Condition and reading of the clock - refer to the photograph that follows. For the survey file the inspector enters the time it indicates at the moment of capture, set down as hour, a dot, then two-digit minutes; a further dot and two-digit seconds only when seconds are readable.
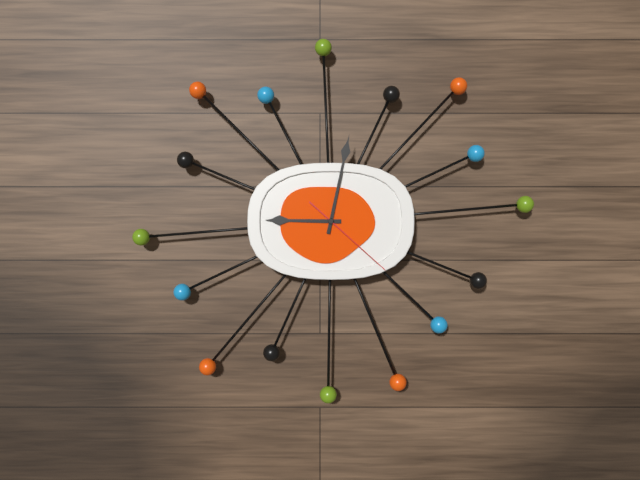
9.02.22
